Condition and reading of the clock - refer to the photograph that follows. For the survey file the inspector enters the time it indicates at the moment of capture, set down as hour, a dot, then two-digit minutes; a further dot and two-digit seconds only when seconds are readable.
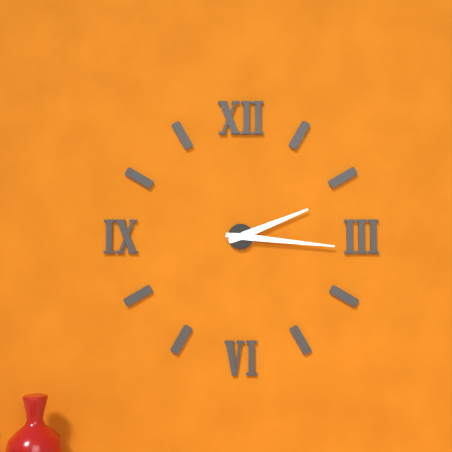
2.16
